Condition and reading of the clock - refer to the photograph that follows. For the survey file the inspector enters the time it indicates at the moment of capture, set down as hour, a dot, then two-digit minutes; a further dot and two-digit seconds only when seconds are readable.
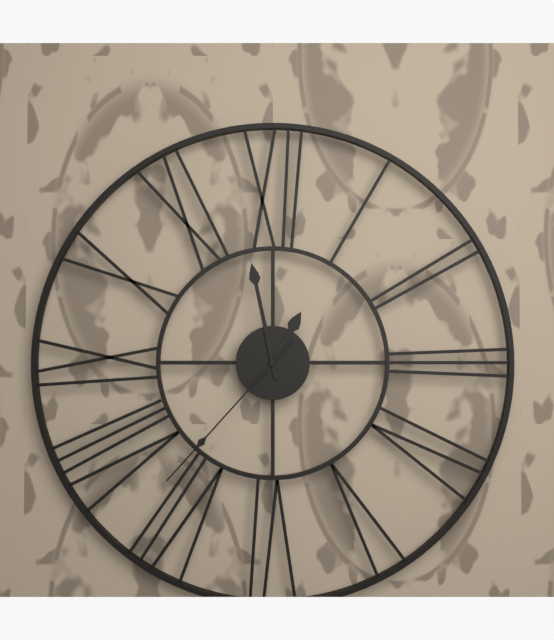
12.58.37
